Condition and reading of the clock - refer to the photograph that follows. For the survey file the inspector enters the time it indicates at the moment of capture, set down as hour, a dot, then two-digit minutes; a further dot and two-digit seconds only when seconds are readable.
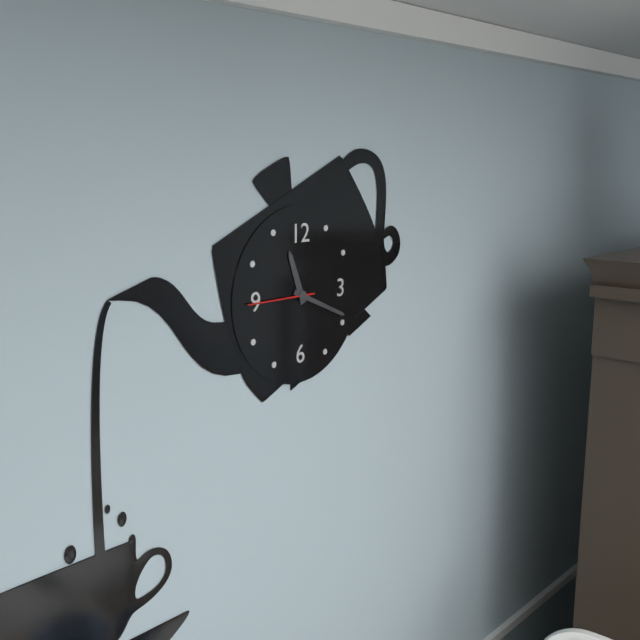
11.19.45
